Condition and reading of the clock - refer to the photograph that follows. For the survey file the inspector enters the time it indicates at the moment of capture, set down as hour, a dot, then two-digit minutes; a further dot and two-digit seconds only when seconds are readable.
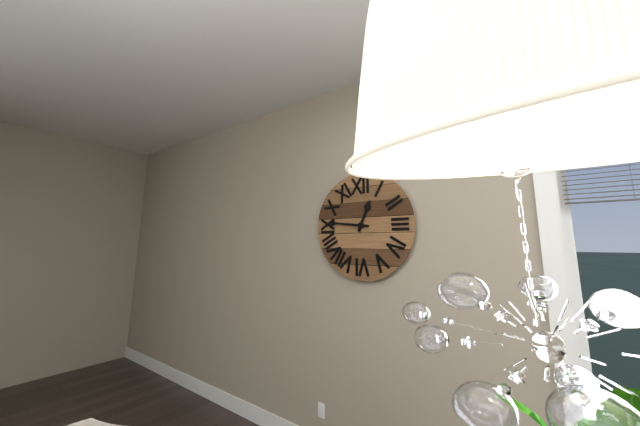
12.46
